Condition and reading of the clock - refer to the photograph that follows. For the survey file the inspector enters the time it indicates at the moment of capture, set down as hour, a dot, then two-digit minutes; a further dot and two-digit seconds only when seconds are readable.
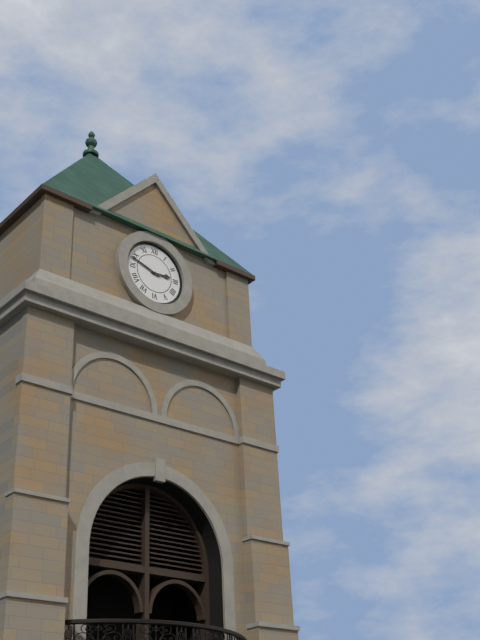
2.48
